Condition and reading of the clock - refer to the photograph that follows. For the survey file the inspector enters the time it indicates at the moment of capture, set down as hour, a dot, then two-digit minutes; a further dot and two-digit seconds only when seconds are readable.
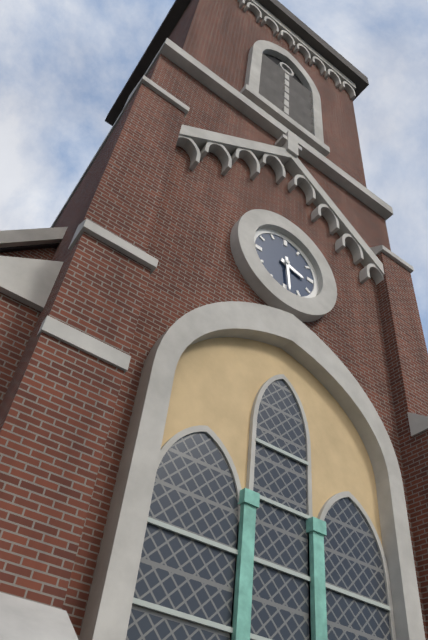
3.29
